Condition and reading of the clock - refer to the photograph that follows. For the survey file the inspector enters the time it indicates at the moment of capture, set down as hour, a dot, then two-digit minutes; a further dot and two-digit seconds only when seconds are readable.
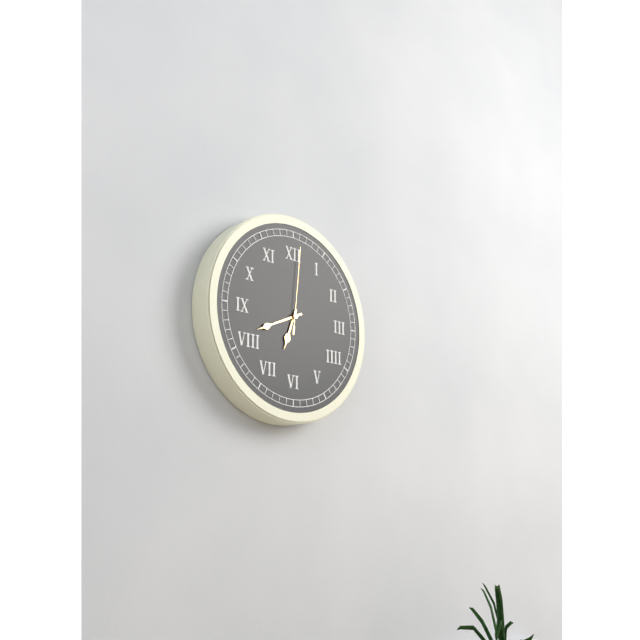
6.41.01
